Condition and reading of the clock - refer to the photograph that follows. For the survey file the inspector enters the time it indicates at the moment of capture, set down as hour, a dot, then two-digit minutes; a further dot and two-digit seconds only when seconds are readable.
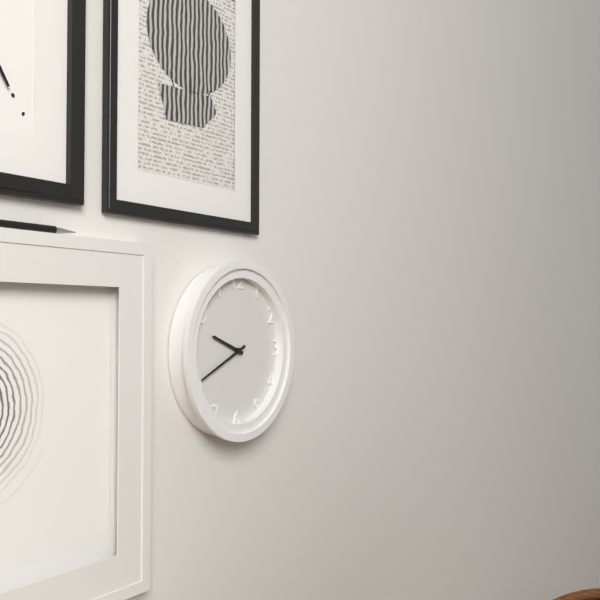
9.41
